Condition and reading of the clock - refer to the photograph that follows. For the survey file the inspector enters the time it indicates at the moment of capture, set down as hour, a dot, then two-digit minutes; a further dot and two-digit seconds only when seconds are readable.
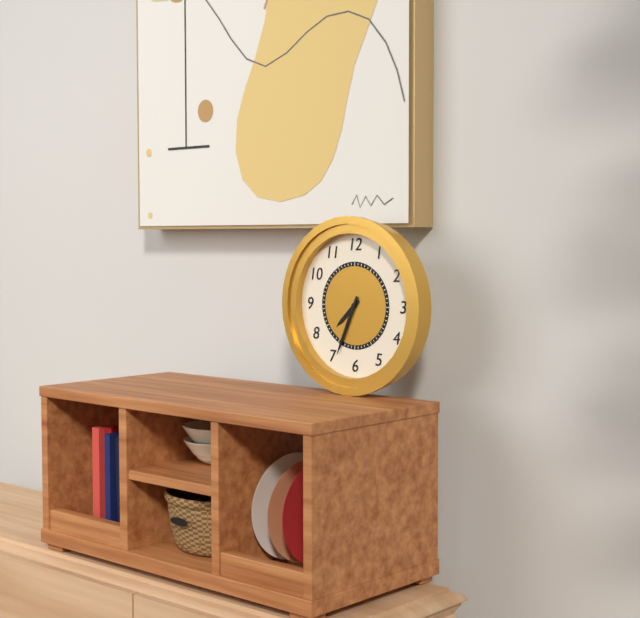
7.34
